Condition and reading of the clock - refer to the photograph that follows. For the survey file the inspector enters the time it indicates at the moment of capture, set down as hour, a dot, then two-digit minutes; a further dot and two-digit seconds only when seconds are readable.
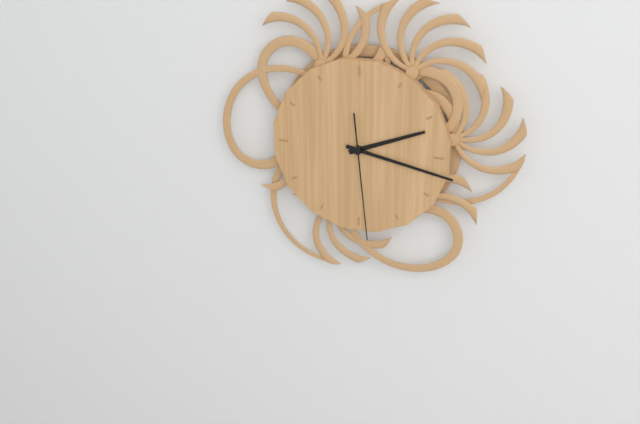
2.17.29
